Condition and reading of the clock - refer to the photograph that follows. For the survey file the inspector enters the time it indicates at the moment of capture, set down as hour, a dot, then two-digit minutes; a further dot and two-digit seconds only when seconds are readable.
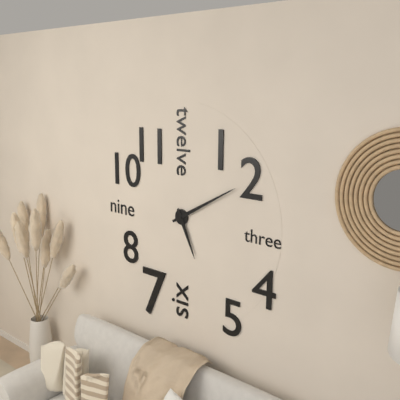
5.10
